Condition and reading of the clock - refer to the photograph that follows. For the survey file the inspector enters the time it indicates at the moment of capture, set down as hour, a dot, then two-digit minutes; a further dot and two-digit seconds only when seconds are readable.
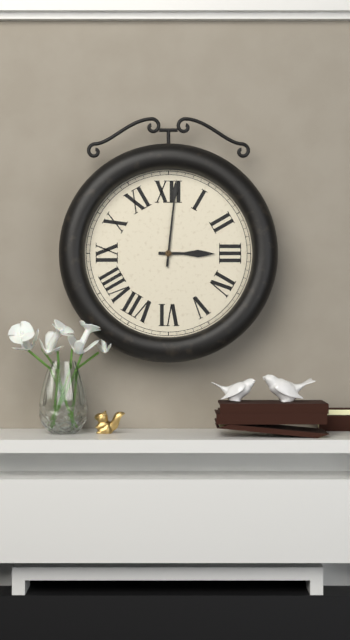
3.01
